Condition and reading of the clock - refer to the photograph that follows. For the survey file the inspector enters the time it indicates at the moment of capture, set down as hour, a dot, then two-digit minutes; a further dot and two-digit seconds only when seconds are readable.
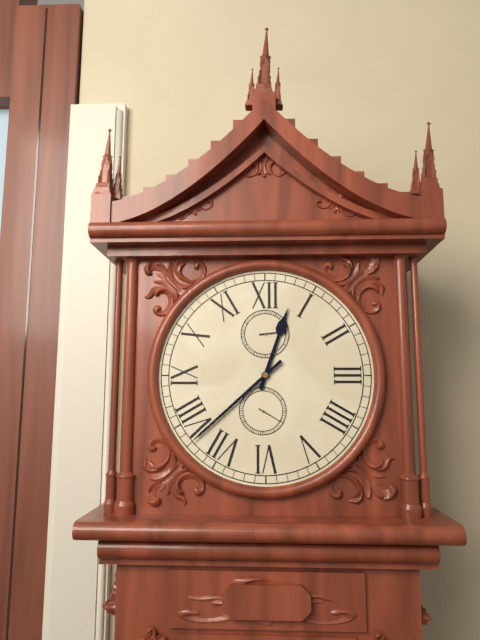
12.38
